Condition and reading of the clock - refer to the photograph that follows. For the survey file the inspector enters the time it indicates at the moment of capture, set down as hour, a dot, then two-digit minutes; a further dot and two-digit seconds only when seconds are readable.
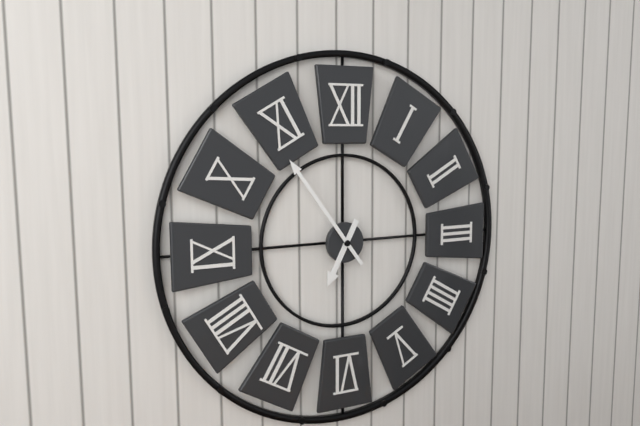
6.54
